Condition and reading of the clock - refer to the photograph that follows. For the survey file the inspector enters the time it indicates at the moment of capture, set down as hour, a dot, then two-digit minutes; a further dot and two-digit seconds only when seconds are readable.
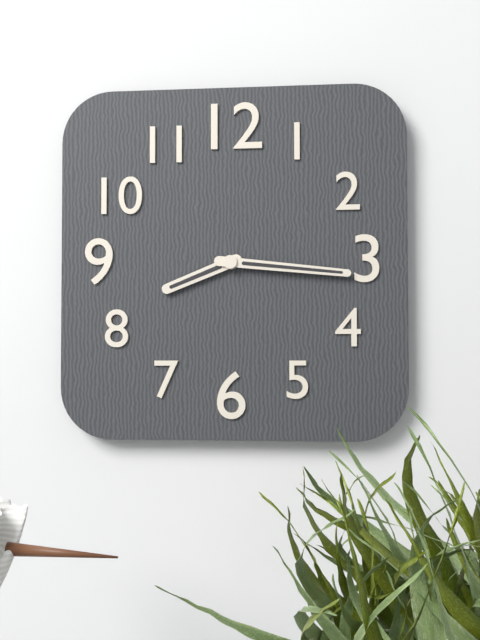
8.16
